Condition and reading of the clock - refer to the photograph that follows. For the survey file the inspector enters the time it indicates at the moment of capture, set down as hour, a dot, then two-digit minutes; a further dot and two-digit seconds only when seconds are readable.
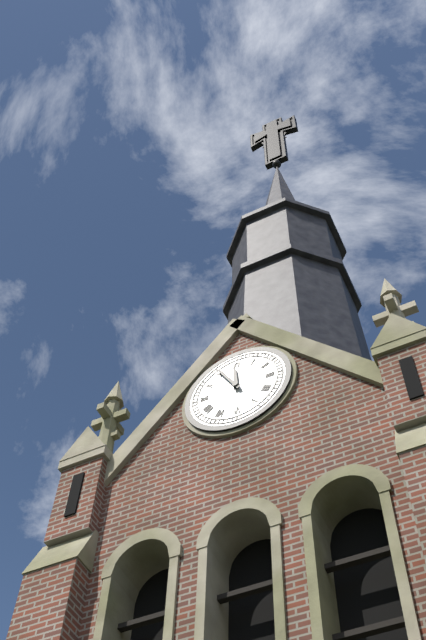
11.55
